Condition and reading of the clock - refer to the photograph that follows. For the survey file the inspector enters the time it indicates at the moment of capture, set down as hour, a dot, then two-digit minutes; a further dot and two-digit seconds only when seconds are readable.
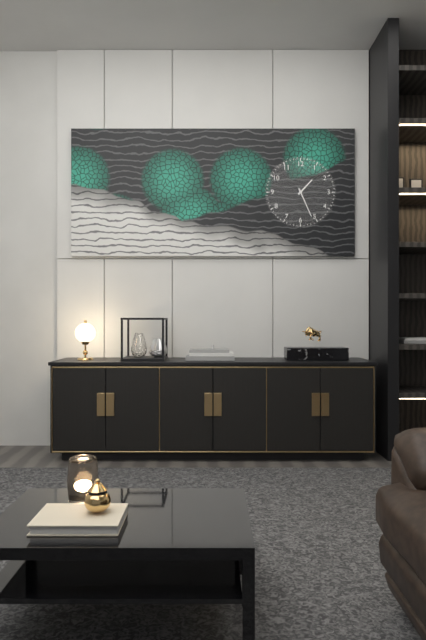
1.26
